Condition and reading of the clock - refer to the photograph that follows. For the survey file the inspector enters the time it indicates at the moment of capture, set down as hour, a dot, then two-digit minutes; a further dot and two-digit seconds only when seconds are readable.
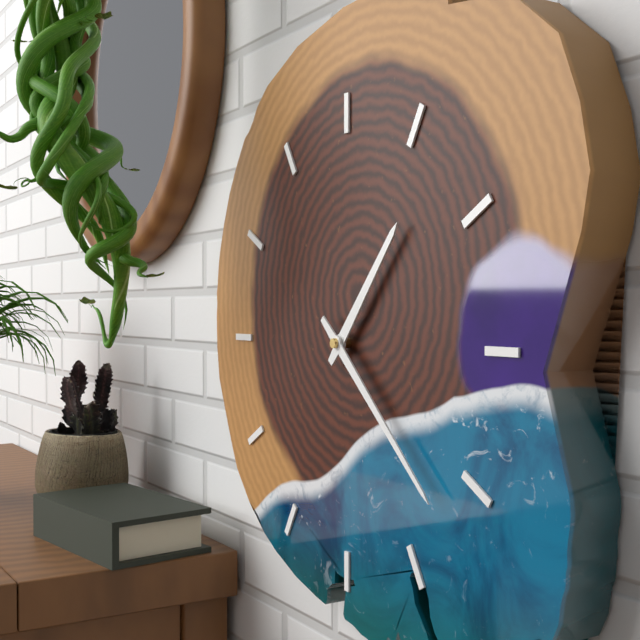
1.22
